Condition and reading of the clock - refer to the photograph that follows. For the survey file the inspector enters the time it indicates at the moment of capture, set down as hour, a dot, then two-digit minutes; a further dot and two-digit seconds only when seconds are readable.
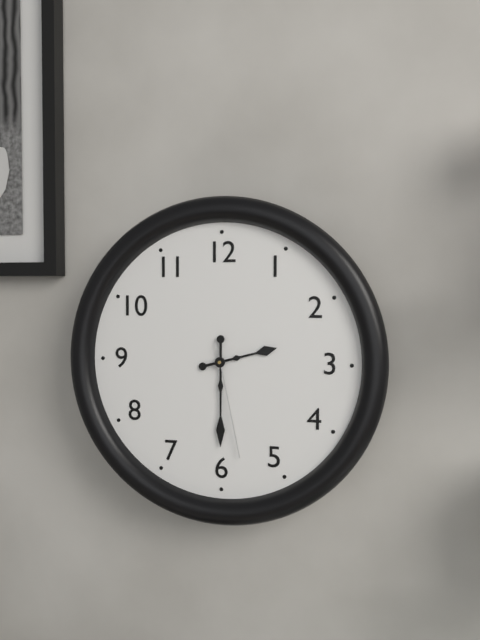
2.30.28
